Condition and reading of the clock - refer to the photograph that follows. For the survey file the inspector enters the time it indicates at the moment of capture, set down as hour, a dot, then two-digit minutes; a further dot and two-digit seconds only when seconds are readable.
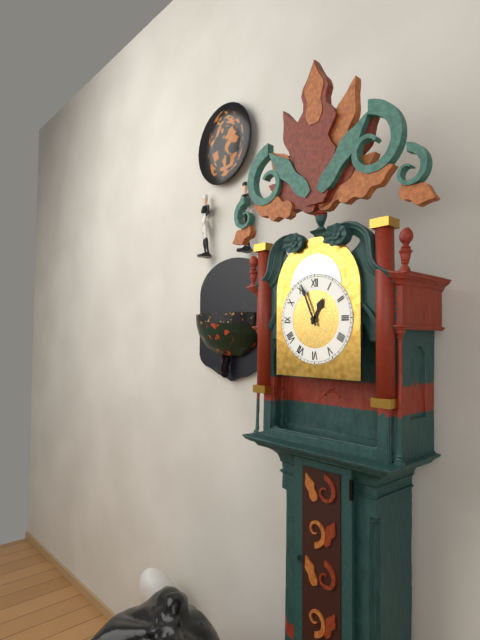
12.56
